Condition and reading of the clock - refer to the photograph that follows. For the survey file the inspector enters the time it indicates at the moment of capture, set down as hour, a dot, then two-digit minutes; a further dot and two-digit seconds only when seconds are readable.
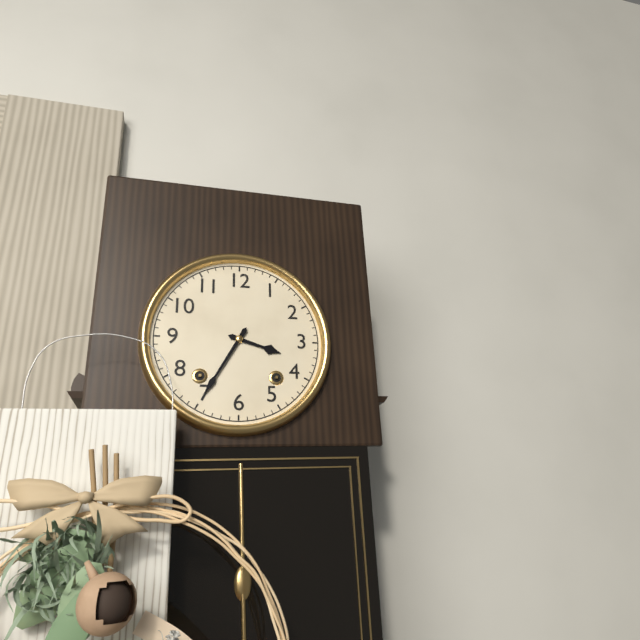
3.35
